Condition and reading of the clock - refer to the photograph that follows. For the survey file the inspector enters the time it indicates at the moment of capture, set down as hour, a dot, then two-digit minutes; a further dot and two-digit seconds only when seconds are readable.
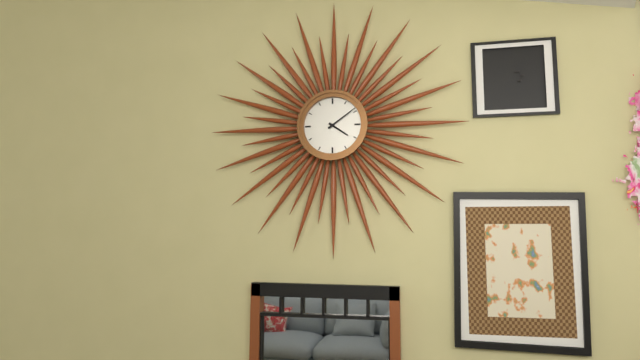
4.09
